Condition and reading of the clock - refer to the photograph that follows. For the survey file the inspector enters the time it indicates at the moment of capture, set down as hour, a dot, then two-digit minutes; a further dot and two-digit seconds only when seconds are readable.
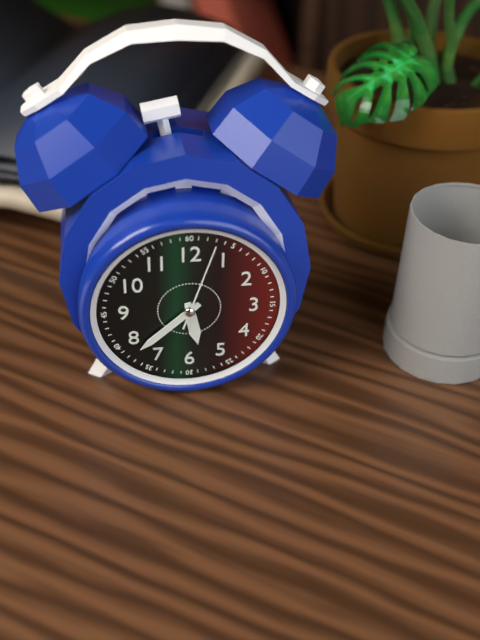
5.38.03
